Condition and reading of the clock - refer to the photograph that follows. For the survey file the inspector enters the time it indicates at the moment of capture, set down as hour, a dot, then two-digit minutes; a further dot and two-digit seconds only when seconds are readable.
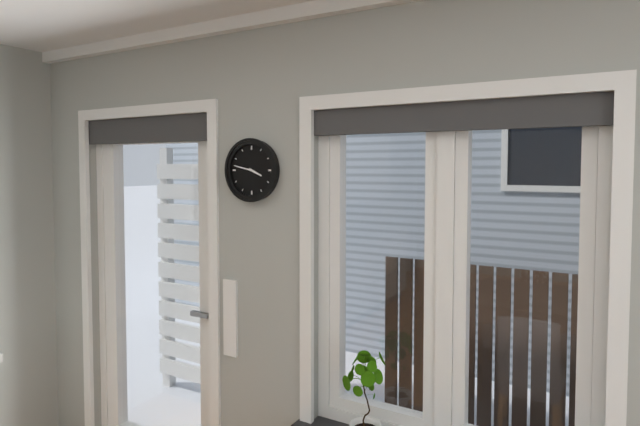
3.47
